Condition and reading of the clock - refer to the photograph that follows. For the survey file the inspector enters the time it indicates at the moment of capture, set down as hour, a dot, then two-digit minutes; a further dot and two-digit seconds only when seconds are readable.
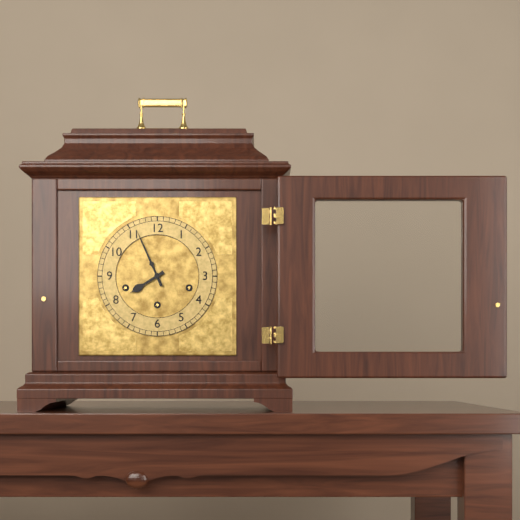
7.56
